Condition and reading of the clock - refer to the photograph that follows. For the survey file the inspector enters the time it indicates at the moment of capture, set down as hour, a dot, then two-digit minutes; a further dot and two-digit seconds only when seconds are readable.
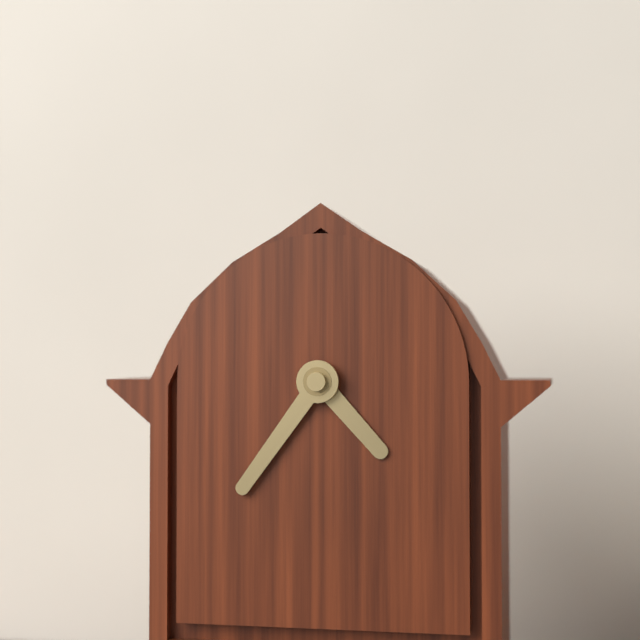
4.36
